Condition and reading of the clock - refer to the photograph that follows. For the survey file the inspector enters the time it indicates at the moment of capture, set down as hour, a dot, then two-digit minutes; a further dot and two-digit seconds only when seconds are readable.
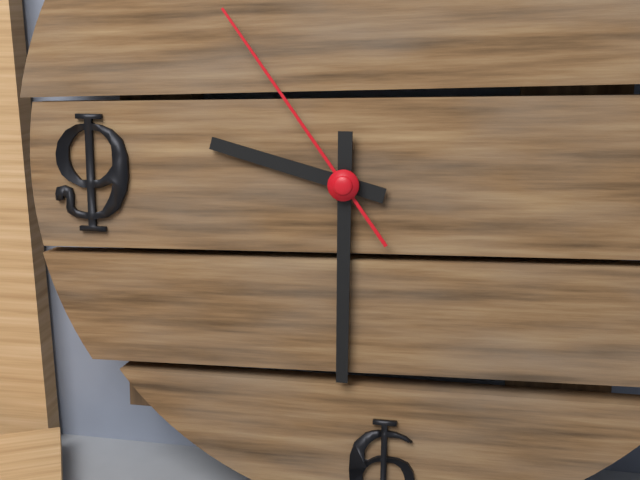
9.30.54
